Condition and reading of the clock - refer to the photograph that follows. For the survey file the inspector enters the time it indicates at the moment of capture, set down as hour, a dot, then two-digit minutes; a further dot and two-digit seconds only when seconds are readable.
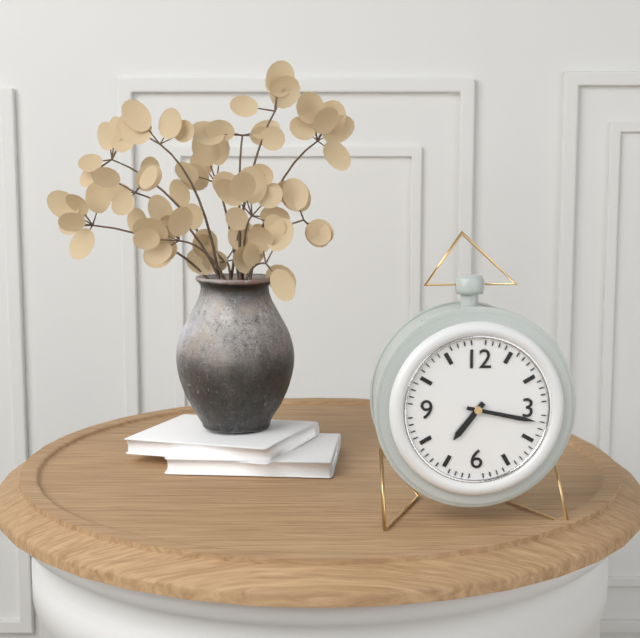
7.17
